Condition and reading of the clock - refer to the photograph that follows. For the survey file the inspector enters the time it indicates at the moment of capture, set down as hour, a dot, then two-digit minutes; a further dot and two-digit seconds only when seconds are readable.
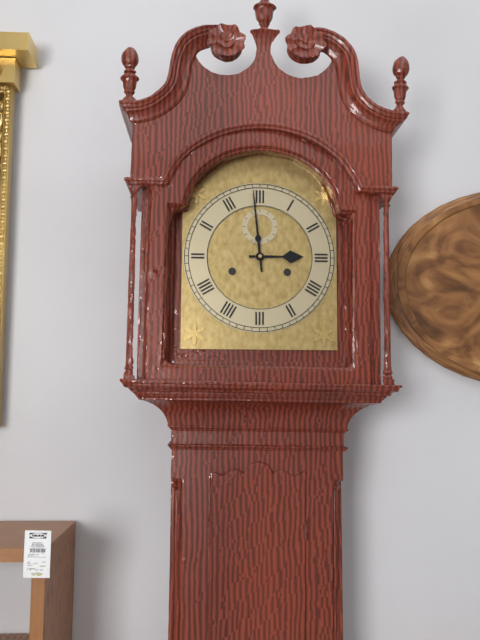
2.59
